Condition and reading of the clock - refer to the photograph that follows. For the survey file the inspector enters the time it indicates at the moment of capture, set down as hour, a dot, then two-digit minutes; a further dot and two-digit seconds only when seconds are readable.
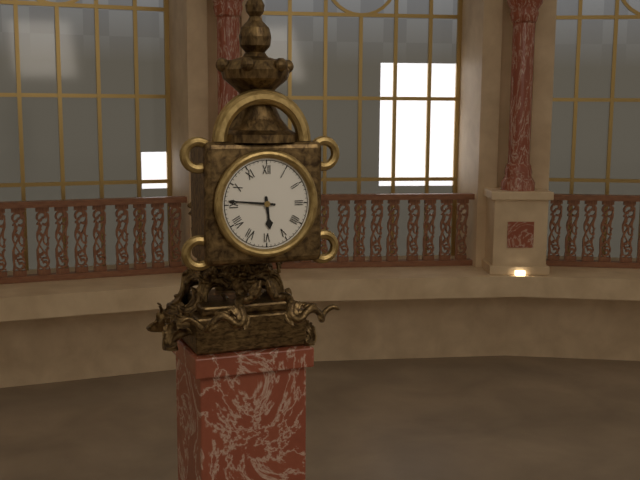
5.46
